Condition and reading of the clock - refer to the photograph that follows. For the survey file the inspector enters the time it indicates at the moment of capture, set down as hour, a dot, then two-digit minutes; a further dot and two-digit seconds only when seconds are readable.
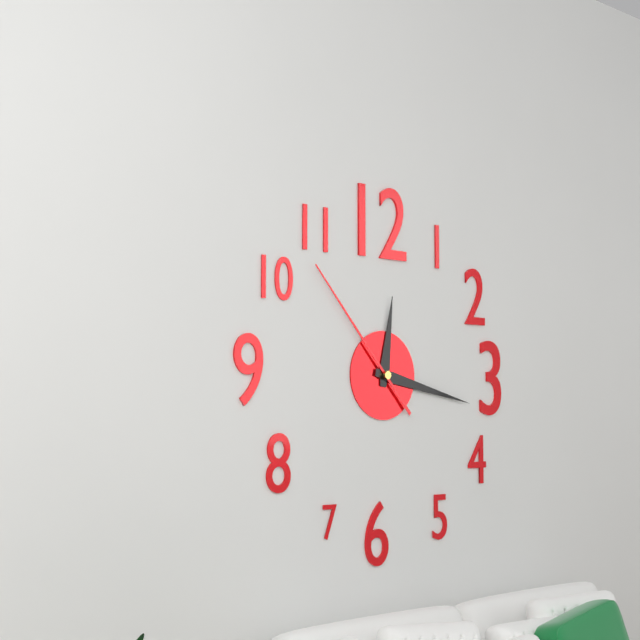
12.17.53
